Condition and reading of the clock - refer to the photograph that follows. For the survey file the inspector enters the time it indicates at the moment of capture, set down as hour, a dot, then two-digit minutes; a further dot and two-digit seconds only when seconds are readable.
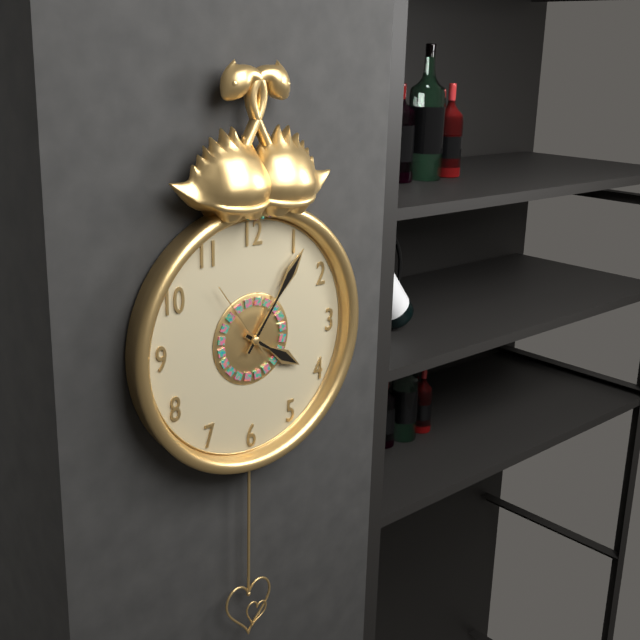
4.06.54
